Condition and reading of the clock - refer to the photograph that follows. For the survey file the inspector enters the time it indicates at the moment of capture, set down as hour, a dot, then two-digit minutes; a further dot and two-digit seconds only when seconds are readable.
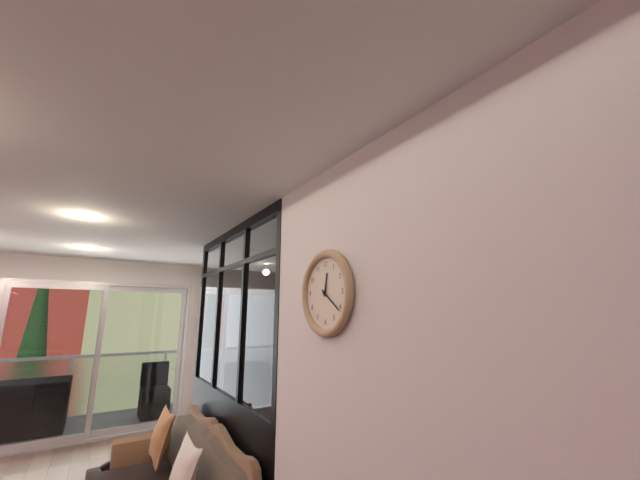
12.21
